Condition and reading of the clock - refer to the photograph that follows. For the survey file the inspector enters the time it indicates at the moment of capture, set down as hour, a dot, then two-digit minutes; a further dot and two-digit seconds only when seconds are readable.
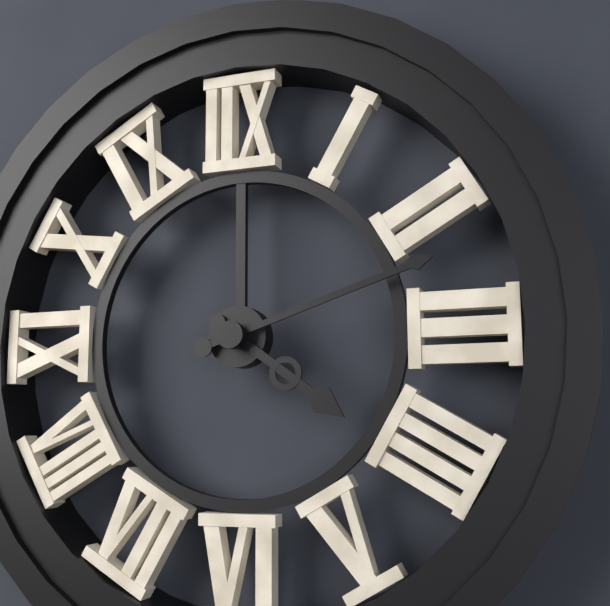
4.12
